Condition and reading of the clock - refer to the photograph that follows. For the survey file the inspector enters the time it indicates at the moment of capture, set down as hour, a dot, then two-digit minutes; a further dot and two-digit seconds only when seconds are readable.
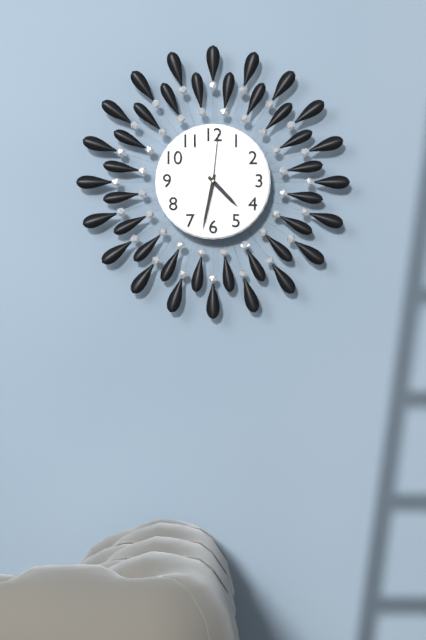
4.32.01
